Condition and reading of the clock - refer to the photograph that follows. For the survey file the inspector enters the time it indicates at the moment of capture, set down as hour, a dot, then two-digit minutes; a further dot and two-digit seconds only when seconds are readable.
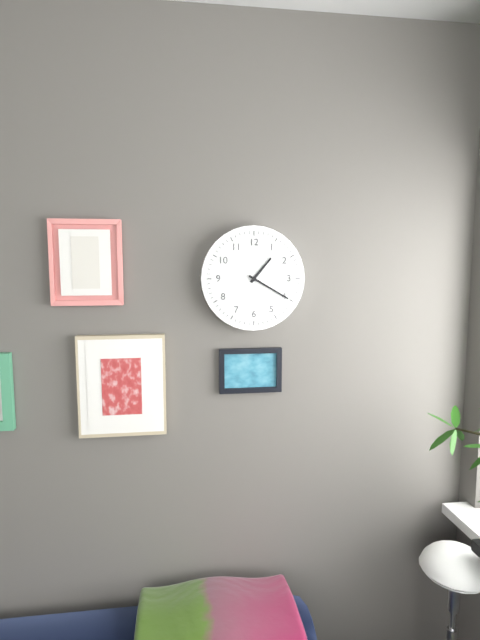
1.20
